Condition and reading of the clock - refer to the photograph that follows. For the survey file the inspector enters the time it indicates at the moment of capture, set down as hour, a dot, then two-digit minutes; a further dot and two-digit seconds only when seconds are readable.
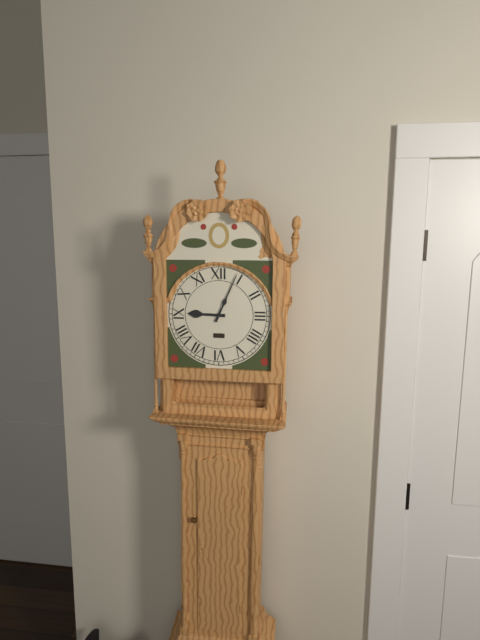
9.04
